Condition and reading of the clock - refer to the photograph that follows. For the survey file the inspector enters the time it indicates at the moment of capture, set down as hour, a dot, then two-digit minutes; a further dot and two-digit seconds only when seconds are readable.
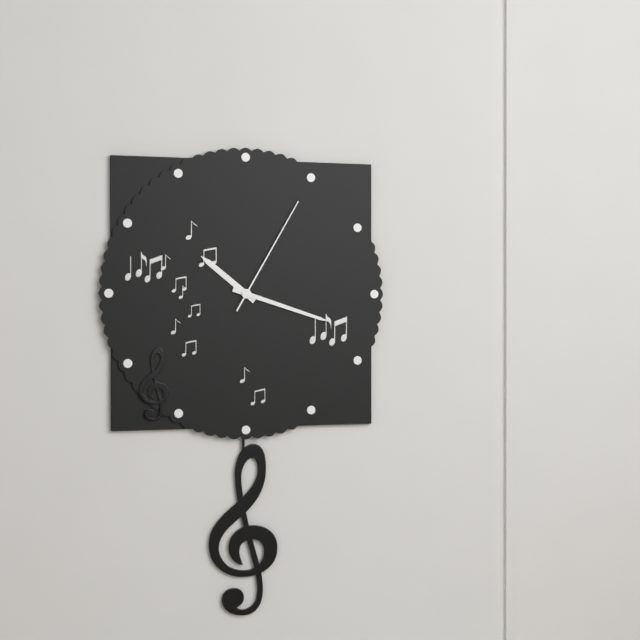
10.18.05
